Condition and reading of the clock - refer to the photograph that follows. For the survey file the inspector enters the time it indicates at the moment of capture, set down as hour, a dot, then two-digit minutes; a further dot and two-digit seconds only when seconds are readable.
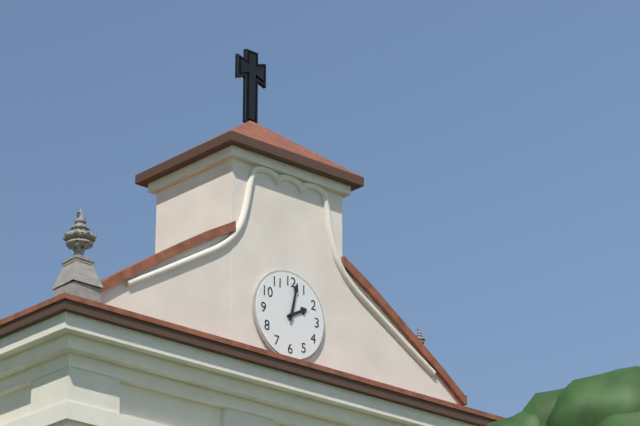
2.02
